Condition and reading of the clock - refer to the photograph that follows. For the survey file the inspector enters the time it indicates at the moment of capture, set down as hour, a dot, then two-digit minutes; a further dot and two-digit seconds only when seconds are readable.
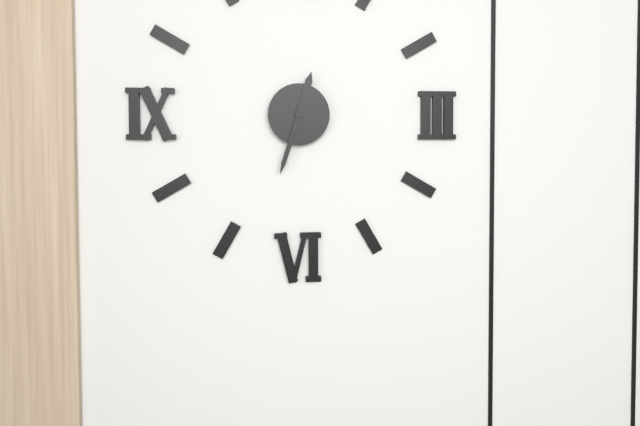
12.33
